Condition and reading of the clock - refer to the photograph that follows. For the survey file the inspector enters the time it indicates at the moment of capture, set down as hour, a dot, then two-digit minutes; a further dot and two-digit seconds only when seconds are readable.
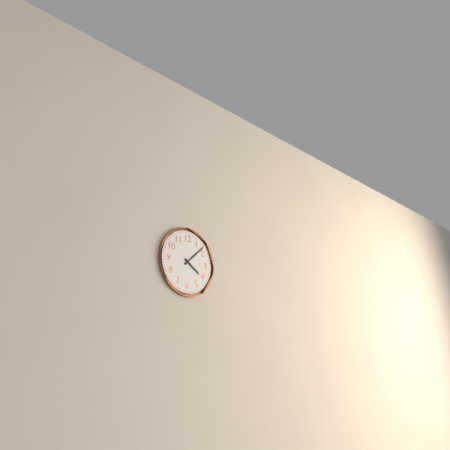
4.08
